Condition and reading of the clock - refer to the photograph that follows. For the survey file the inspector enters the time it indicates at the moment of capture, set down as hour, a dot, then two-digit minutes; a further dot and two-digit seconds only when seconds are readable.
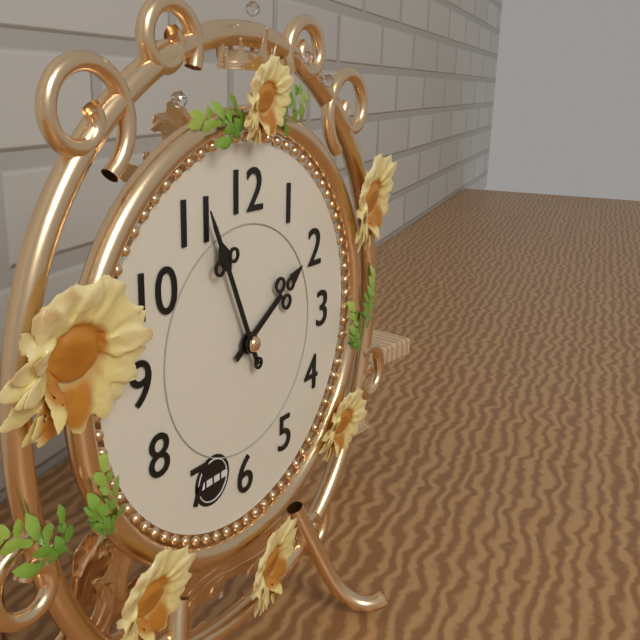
1.56
